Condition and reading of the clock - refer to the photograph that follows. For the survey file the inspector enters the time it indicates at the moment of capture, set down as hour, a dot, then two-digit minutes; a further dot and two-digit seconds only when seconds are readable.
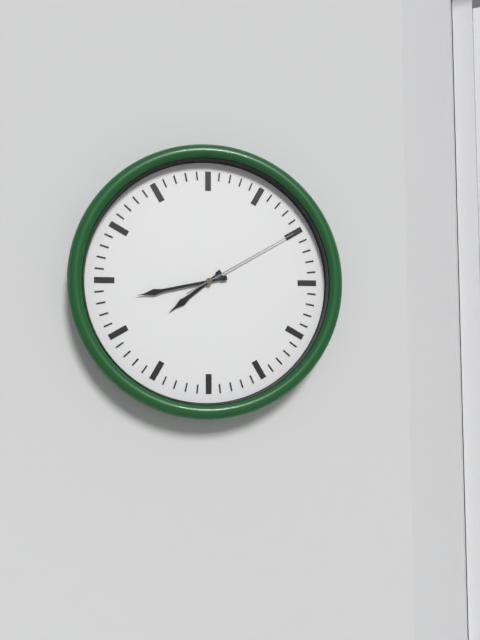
7.43.10
